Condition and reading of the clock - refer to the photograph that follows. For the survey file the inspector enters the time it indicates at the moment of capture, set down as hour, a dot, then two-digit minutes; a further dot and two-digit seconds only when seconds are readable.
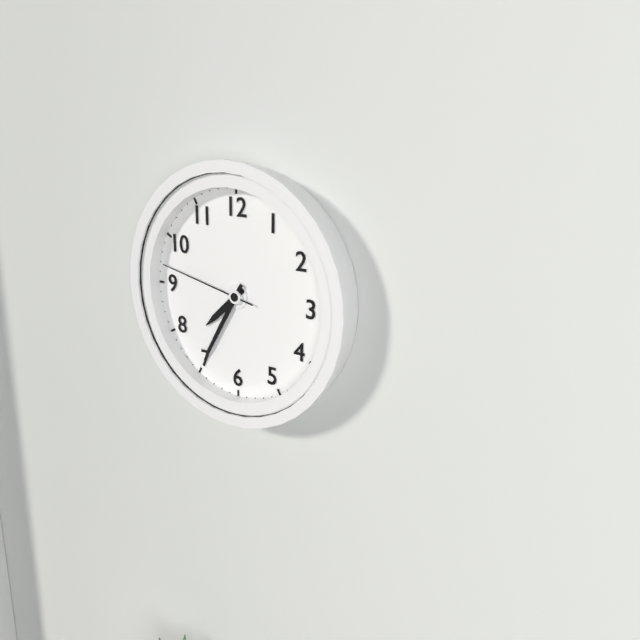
7.35.47
